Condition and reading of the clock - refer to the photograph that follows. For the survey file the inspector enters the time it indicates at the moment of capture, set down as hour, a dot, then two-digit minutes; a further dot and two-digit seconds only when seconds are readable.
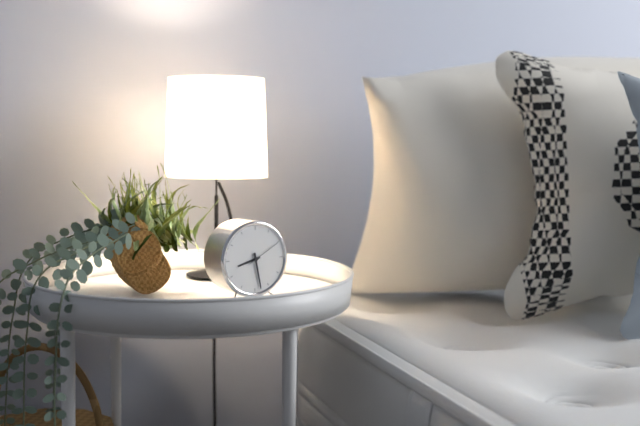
8.28
